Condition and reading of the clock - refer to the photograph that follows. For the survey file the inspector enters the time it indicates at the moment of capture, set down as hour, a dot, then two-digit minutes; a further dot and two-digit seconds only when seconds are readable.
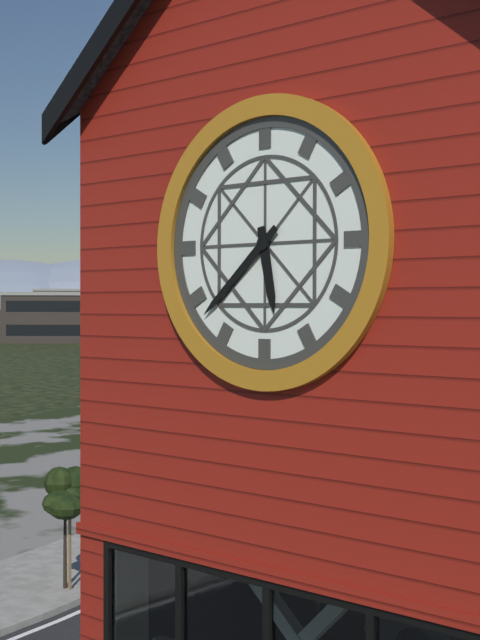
5.38
